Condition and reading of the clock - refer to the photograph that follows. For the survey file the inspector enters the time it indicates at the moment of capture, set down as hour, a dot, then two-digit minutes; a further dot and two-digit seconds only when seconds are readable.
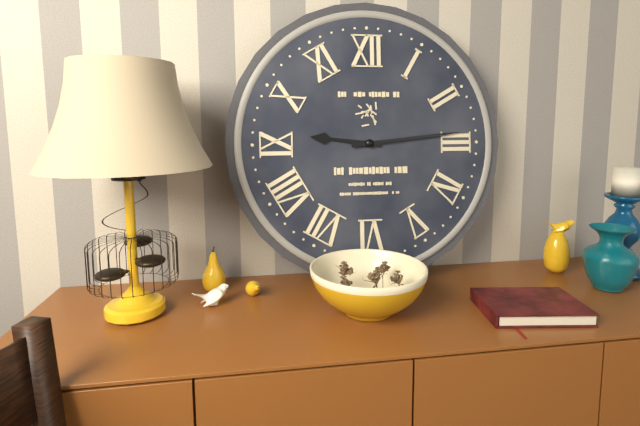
9.14
